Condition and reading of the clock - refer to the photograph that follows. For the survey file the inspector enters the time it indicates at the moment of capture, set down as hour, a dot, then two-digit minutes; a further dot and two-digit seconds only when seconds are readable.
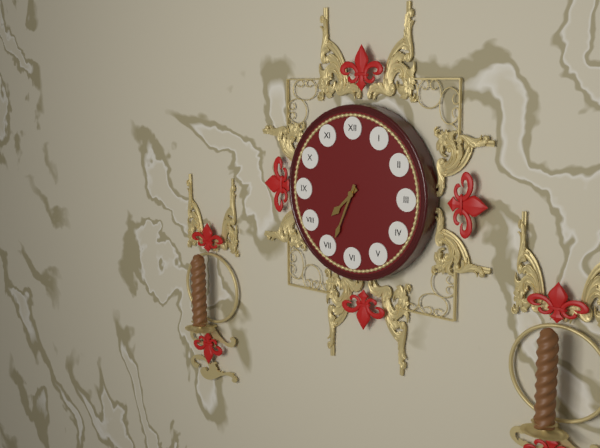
7.34
